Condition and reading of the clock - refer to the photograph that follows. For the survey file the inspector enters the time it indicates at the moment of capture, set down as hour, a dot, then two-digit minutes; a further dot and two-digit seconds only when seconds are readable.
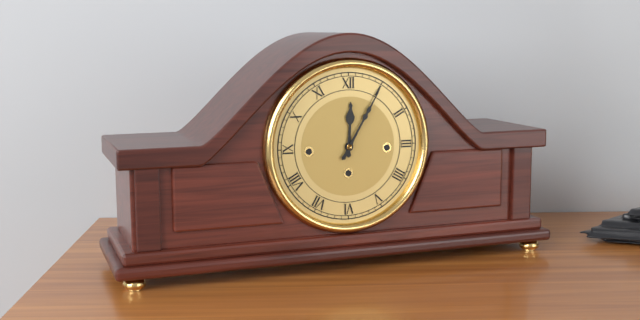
12.05
